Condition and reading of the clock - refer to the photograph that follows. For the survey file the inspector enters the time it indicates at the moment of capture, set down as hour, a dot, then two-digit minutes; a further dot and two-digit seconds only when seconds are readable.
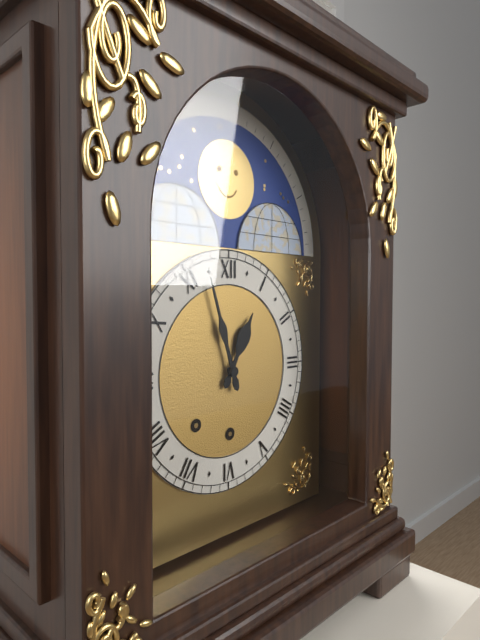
12.57
